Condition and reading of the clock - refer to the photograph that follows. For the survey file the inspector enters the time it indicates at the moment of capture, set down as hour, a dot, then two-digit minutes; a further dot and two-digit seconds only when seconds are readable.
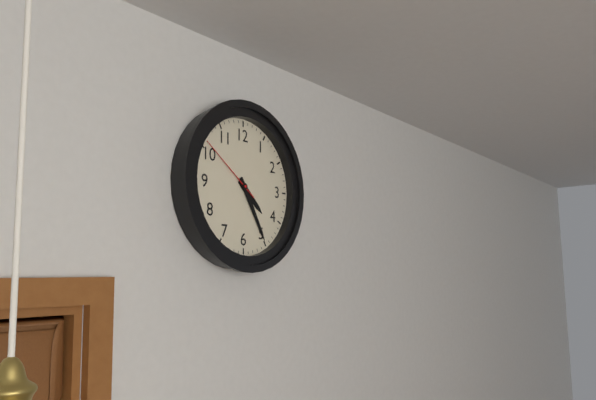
4.25.51
